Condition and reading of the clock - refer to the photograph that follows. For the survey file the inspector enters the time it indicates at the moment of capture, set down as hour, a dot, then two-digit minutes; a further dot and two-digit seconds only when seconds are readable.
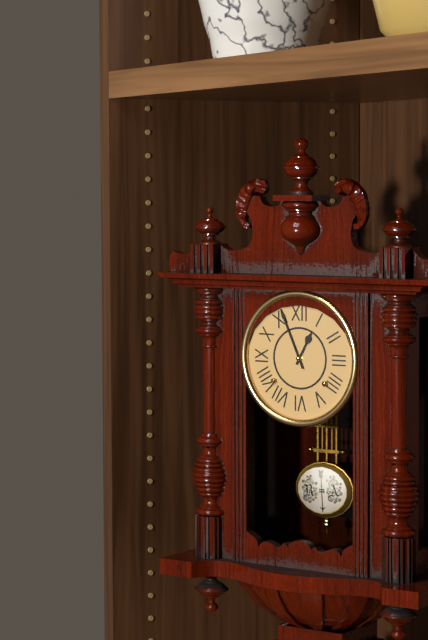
12.56
